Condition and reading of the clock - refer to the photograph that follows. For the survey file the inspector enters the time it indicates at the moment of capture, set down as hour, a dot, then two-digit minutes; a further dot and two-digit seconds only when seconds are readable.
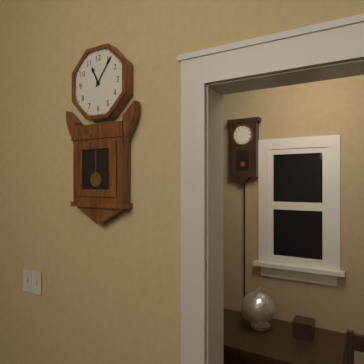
11.06
